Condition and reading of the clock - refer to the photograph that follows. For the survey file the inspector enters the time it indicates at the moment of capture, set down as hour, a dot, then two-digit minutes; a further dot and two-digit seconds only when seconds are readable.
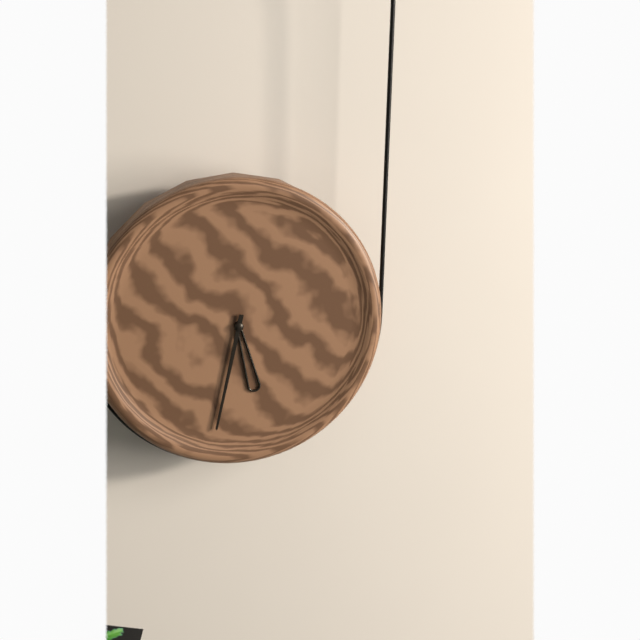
5.32
